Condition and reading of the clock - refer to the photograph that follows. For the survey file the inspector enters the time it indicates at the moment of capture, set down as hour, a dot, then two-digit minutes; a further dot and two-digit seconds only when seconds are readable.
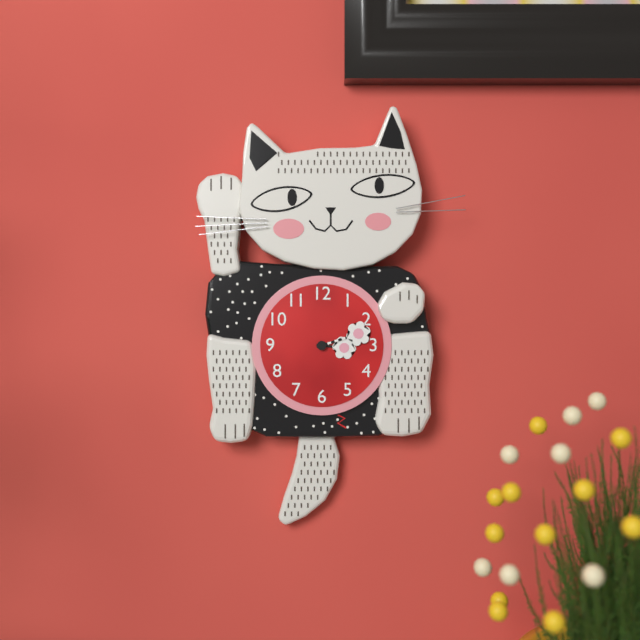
3.12
